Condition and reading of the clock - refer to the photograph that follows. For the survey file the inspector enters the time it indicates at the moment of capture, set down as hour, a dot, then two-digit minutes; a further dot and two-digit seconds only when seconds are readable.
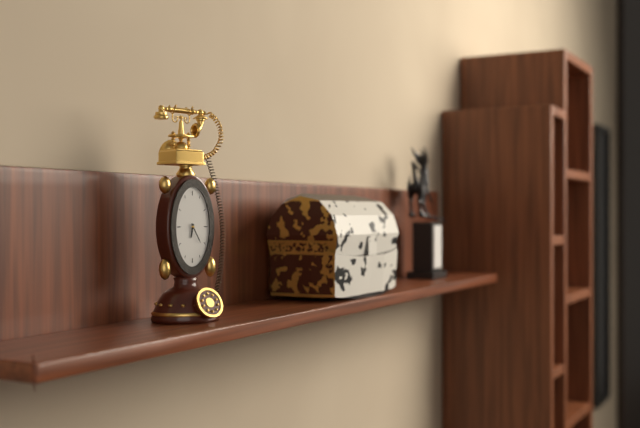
6.25
